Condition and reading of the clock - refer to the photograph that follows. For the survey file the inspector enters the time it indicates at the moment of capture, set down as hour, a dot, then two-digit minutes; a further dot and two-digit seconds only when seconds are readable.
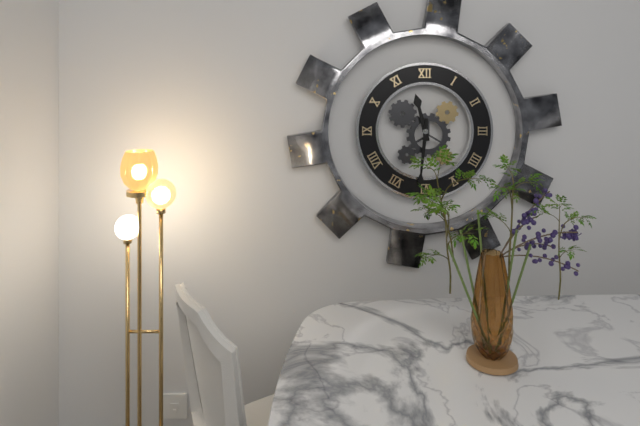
11.31
